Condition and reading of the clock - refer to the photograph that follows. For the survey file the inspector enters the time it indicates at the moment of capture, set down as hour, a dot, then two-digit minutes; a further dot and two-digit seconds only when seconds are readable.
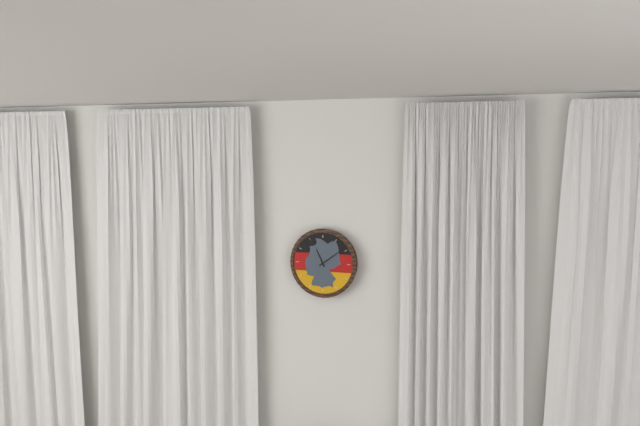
11.09
